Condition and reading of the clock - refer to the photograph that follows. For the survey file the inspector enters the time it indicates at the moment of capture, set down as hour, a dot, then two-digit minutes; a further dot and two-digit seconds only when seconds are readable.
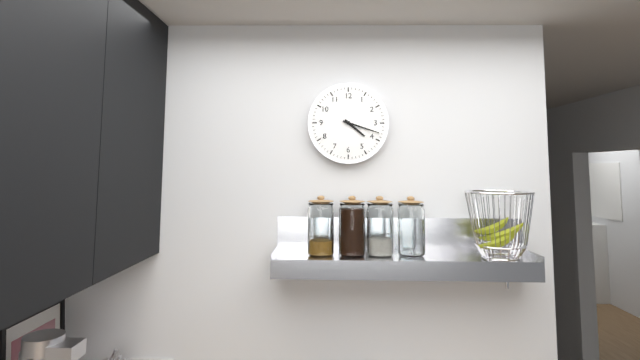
4.18
